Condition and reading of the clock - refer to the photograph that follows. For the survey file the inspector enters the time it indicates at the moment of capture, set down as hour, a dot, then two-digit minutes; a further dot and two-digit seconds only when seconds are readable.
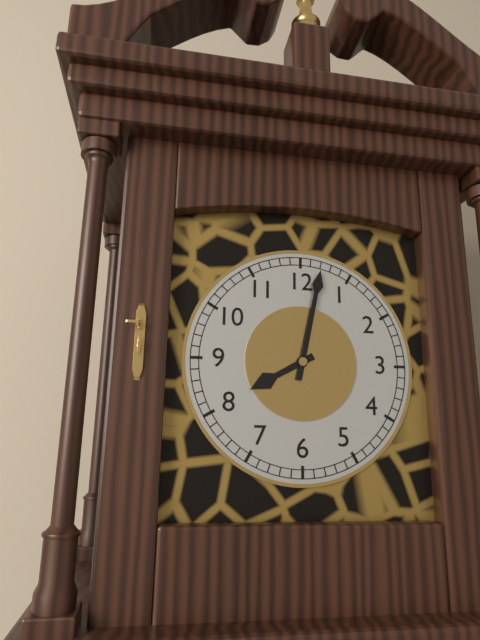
8.02
